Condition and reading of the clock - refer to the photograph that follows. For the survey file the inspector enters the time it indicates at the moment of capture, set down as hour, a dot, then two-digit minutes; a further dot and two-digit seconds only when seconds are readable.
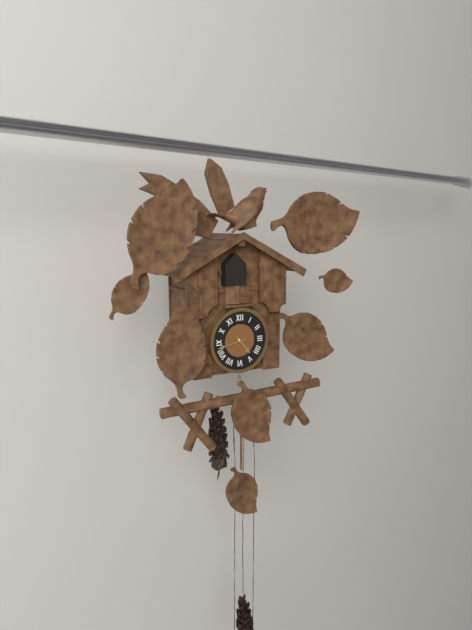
4.43
